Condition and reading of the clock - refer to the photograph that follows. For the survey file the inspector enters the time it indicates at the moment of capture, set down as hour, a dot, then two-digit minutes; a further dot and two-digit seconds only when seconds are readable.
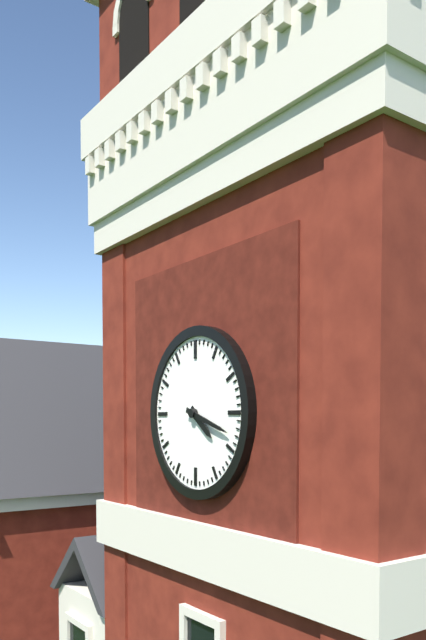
4.18
